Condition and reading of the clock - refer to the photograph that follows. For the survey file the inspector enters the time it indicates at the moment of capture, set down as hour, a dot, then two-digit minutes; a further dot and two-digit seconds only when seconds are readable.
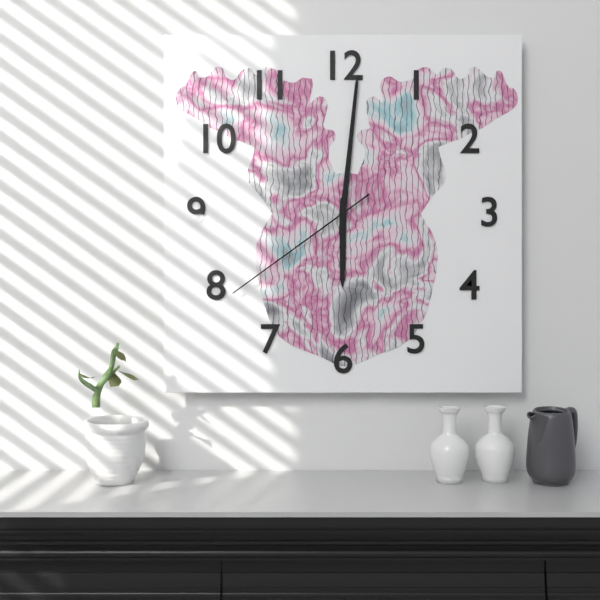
6.01.39
